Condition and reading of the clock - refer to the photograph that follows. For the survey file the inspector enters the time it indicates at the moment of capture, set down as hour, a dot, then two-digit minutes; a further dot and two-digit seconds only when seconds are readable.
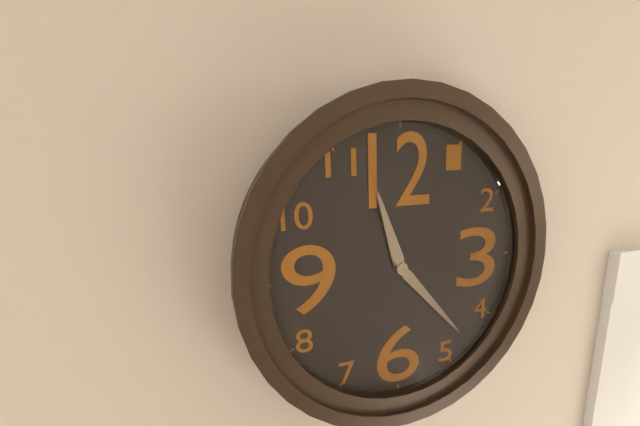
11.23
